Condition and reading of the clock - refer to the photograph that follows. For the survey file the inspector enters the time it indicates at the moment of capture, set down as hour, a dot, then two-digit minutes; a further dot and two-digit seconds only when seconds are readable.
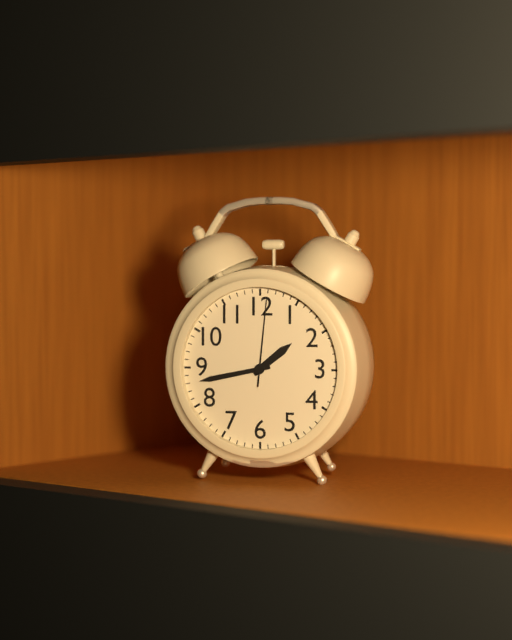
1.43.01
